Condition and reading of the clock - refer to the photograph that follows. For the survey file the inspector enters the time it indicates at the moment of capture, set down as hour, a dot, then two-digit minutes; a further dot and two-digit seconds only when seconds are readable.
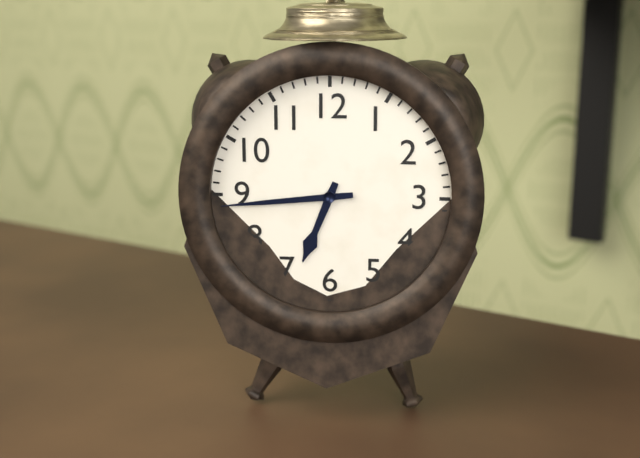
6.44
